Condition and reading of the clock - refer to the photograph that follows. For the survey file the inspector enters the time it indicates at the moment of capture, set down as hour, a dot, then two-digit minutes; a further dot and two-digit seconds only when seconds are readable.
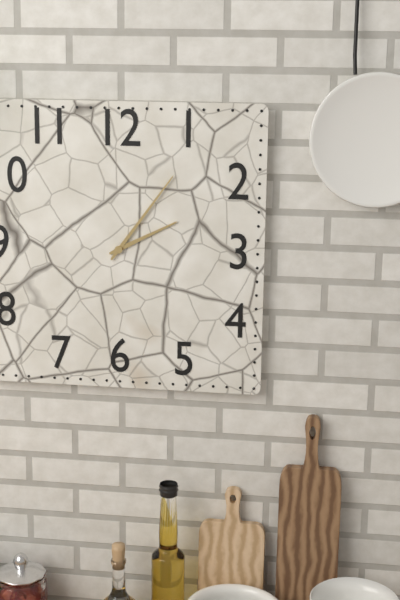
2.06
